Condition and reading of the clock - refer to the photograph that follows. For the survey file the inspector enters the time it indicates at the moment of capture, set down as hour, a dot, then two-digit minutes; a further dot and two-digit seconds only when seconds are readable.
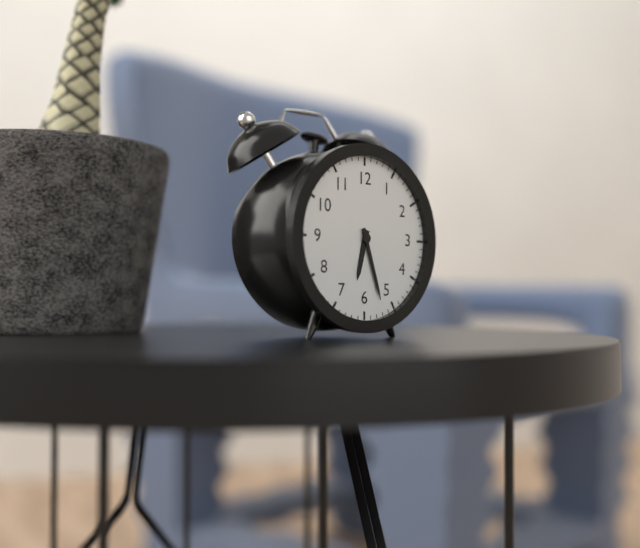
6.27
